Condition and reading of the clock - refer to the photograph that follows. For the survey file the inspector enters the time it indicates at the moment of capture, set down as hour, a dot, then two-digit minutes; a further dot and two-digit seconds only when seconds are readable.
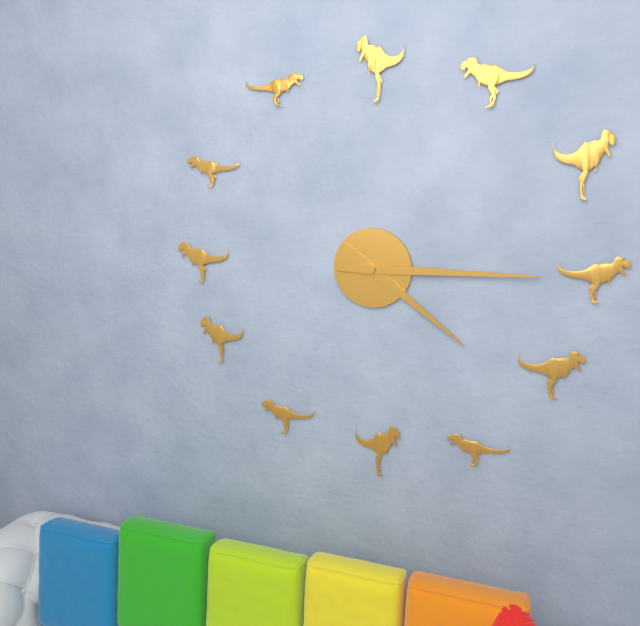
4.15
